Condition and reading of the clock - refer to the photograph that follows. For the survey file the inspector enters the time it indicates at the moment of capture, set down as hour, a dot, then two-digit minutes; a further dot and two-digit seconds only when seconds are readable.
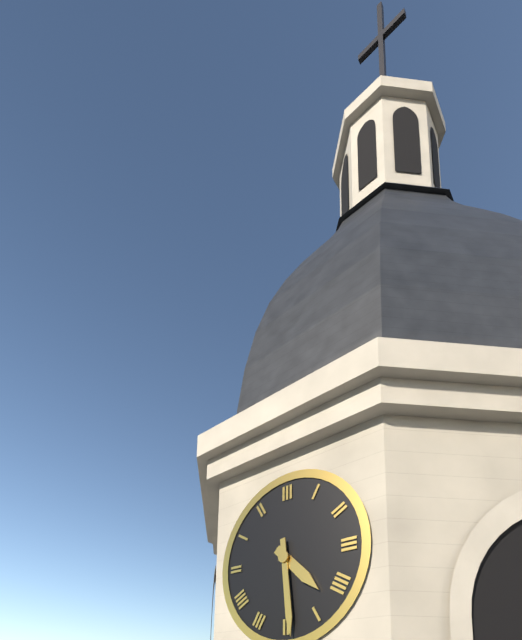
4.29
